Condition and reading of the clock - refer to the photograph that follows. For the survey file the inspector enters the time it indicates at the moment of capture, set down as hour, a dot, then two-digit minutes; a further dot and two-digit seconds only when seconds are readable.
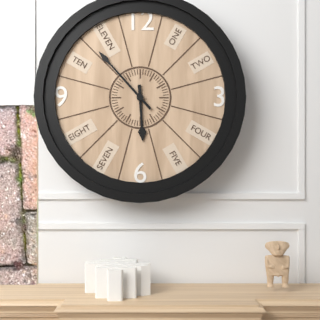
5.53
